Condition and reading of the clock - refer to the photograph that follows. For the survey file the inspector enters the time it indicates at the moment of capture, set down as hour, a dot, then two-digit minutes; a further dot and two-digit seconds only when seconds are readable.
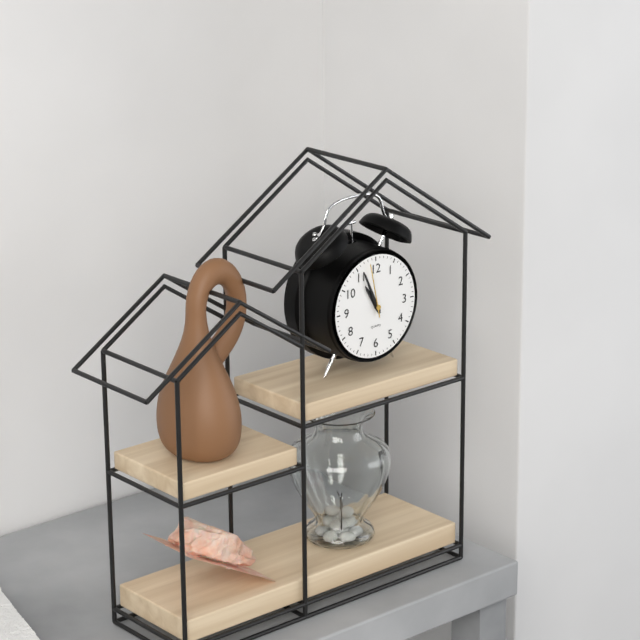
10.56.58
